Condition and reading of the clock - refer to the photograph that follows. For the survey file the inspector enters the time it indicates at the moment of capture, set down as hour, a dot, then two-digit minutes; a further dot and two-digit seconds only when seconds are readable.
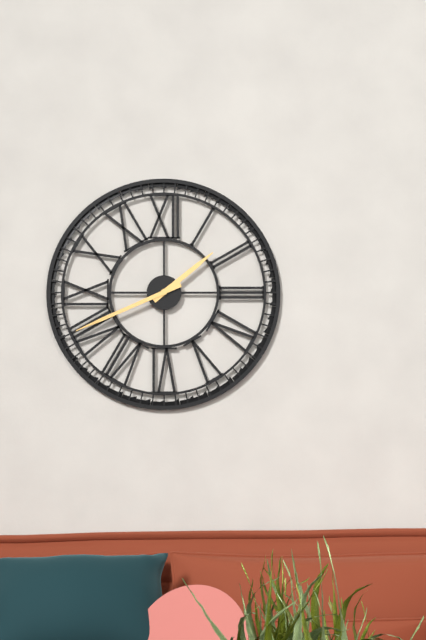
1.41
